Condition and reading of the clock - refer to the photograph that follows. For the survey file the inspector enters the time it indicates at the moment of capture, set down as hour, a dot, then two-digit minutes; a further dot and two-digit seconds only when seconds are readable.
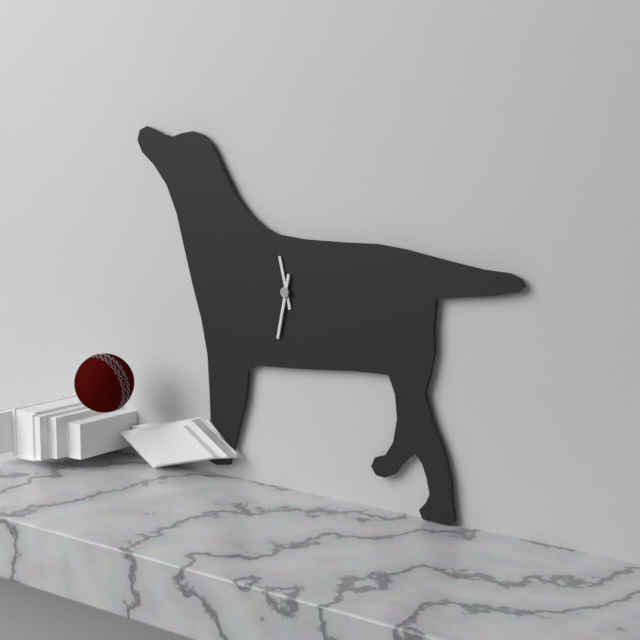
11.32
